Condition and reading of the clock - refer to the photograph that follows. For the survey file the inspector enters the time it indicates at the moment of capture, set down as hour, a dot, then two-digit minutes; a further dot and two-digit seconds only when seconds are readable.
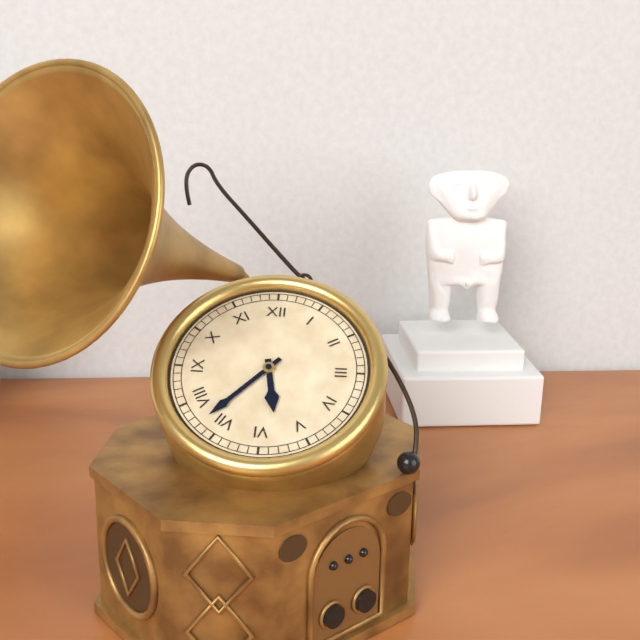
5.37
